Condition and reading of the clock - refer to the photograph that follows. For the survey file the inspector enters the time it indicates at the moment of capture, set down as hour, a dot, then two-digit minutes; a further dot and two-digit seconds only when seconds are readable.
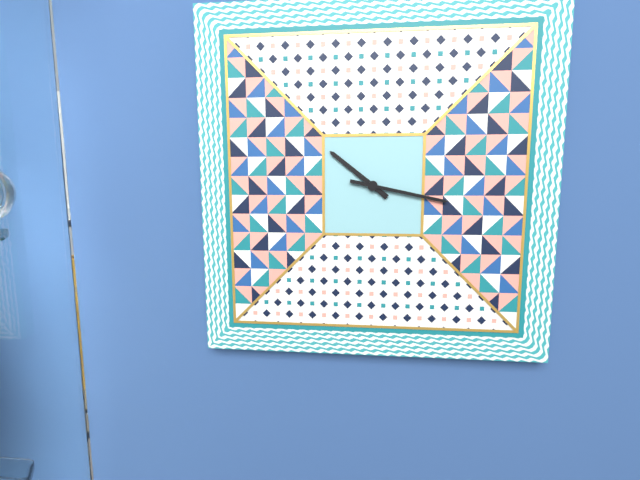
10.17
